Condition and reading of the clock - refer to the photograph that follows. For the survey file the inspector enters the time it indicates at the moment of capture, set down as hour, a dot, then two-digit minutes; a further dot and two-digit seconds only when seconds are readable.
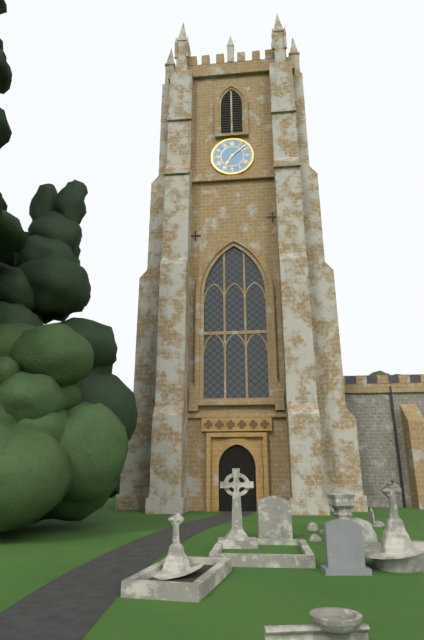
7.08
